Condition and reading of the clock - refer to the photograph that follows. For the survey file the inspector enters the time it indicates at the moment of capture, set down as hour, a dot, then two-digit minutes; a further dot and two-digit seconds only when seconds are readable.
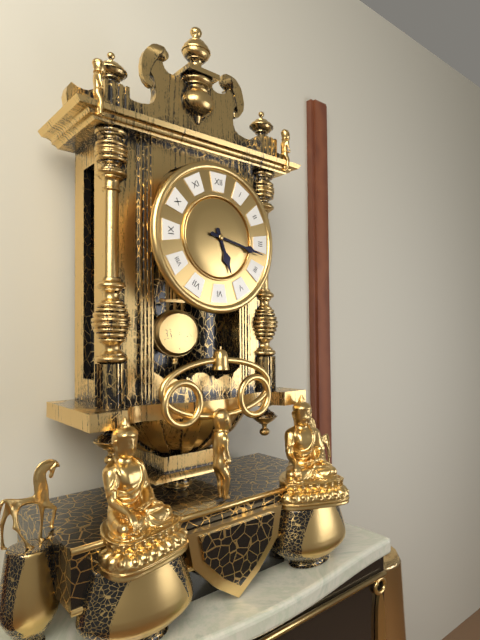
5.17
